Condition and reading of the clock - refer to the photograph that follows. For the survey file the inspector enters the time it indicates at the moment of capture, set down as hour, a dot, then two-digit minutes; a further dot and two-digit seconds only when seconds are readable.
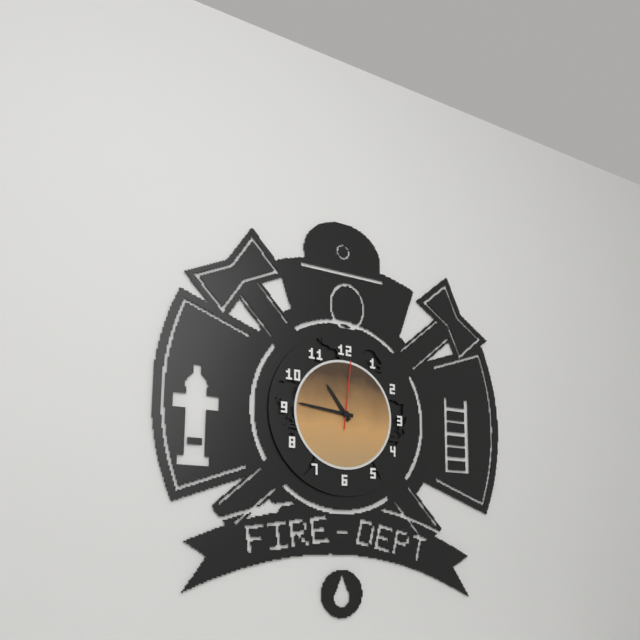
10.46.01
